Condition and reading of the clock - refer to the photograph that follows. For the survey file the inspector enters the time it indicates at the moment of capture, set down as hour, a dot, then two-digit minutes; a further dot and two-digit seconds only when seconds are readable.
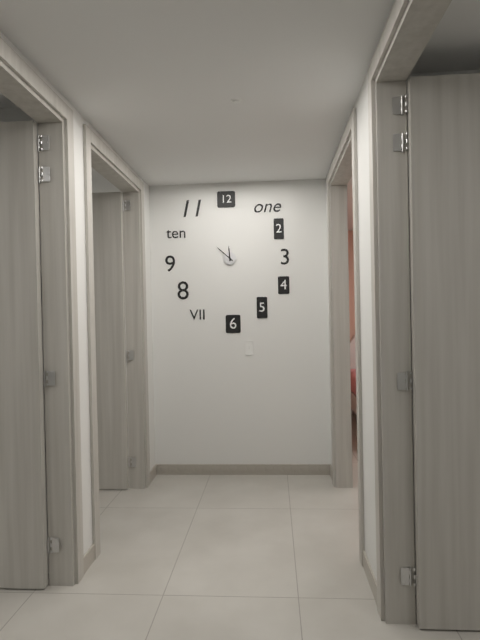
11.52
